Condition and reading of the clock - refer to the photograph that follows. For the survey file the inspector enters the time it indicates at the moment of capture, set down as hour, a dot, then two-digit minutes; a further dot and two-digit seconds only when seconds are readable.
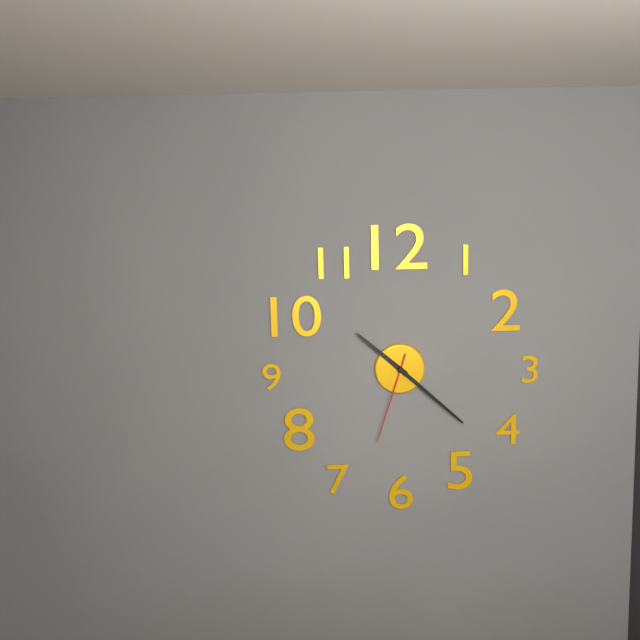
10.22.33
